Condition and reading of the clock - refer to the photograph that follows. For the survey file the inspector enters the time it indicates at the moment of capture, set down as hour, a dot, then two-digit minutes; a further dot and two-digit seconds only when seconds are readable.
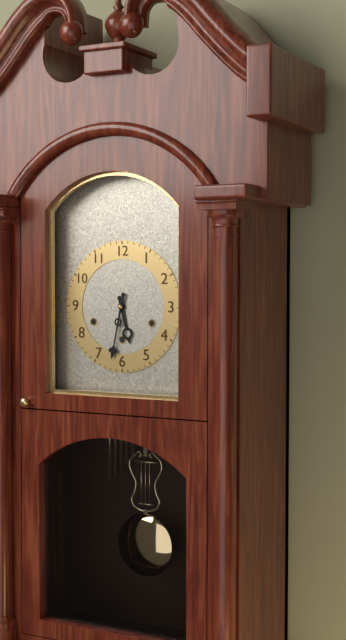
5.32
